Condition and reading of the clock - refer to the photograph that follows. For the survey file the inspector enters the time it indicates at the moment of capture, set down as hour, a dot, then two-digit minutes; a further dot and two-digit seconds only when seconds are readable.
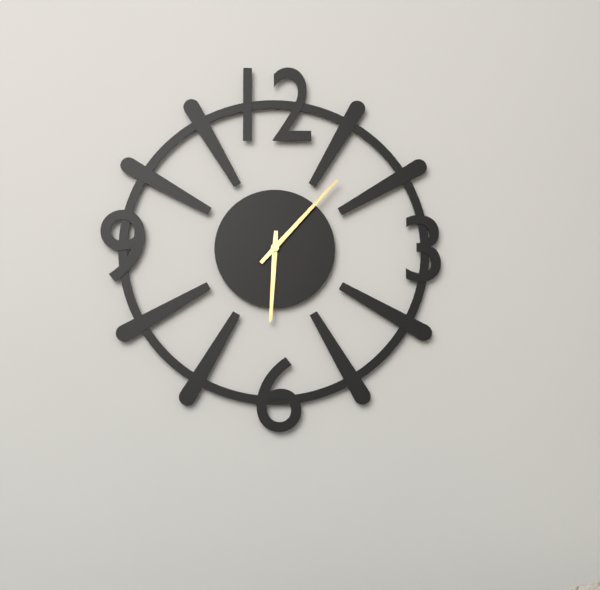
6.07
